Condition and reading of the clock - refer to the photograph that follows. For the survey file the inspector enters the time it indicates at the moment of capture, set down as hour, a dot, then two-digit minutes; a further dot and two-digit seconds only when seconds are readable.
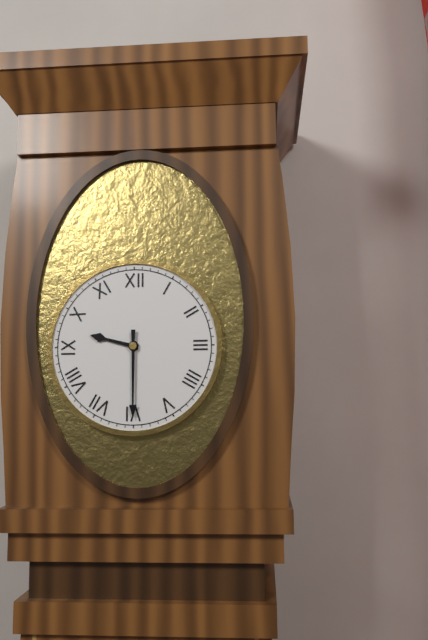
9.30
